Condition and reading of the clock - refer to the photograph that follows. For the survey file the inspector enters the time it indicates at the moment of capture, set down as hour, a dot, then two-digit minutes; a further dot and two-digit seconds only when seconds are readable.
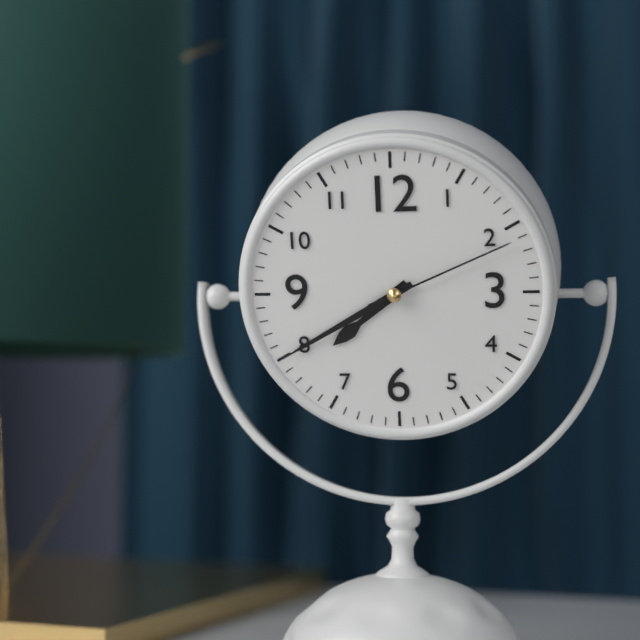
7.40.11
